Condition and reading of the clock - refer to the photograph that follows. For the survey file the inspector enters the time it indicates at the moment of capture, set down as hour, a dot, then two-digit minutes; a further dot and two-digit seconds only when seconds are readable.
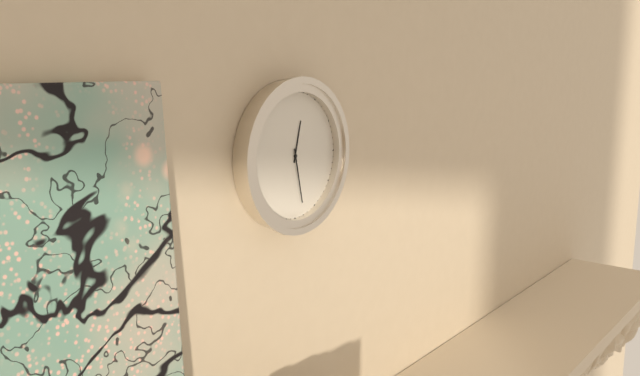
12.28
